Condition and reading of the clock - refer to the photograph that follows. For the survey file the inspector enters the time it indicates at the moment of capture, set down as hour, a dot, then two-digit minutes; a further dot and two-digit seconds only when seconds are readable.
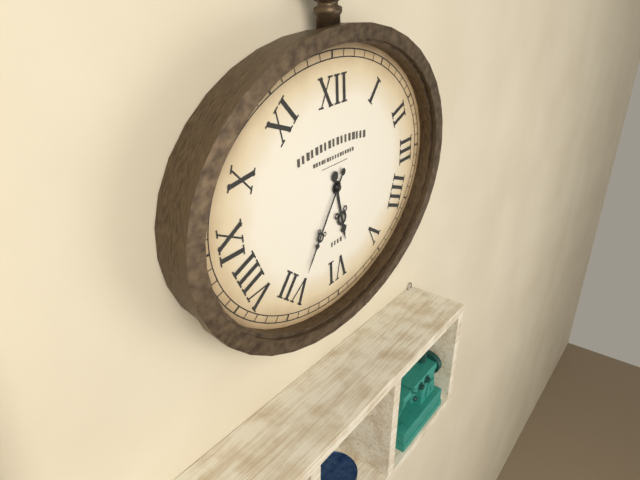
5.36
